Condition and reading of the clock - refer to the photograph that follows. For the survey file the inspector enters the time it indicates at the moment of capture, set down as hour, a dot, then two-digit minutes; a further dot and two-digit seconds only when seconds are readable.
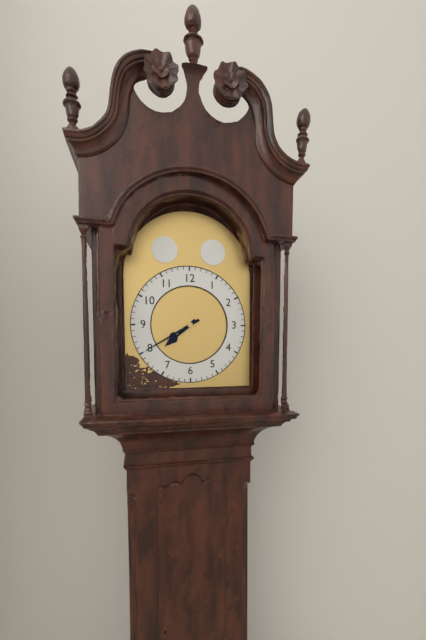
7.40
